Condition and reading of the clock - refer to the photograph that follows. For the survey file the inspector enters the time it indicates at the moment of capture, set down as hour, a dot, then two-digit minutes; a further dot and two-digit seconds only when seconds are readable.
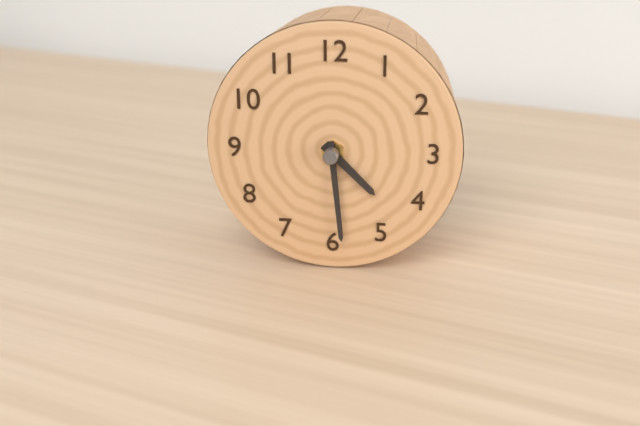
4.29
